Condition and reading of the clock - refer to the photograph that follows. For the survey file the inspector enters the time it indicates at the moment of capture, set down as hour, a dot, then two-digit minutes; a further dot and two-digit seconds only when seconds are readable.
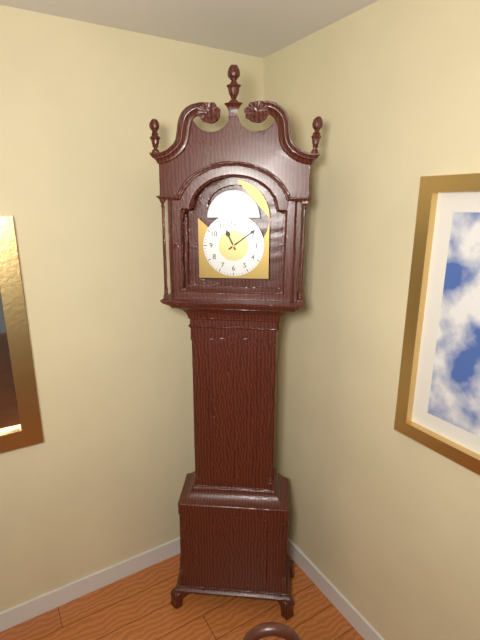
11.09
